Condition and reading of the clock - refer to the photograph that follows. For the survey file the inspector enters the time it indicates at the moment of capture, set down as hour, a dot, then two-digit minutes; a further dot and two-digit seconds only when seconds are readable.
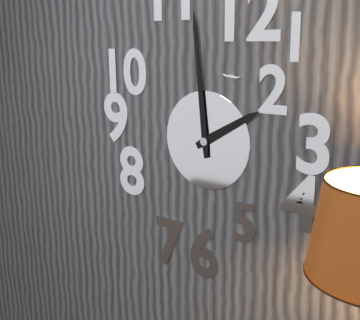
1.59
